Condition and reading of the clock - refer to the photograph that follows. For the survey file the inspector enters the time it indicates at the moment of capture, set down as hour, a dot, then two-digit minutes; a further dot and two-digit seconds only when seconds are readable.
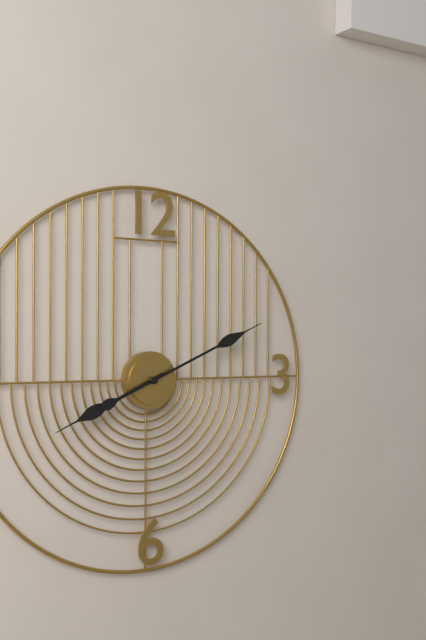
8.11
